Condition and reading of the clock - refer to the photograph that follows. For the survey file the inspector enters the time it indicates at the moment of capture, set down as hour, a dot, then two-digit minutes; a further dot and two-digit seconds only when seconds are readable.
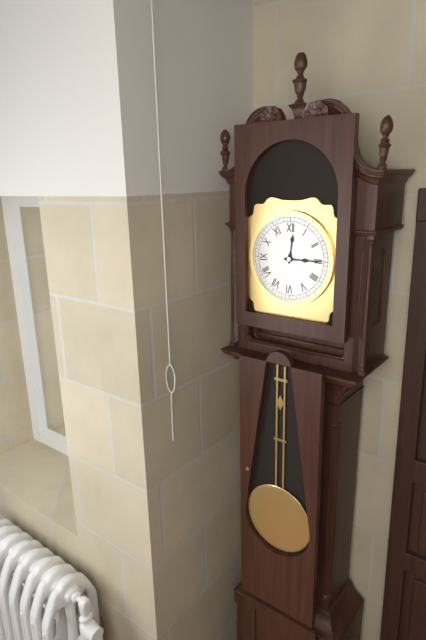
12.15
